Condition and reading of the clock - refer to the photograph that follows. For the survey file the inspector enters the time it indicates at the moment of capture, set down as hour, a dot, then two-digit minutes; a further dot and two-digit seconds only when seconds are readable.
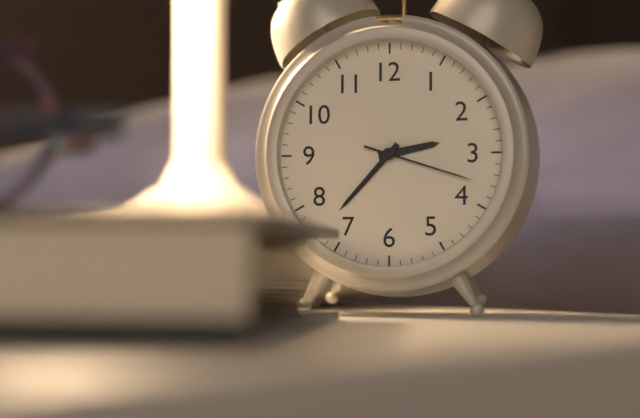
2.37.18
